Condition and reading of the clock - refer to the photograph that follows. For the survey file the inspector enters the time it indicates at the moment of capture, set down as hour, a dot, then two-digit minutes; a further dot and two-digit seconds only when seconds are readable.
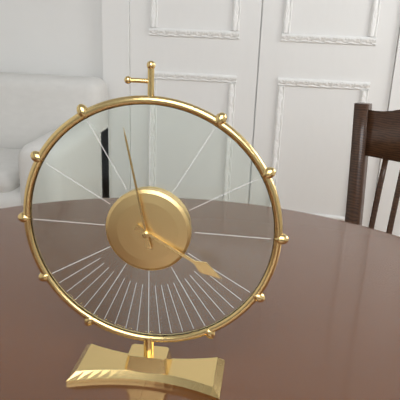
3.58
